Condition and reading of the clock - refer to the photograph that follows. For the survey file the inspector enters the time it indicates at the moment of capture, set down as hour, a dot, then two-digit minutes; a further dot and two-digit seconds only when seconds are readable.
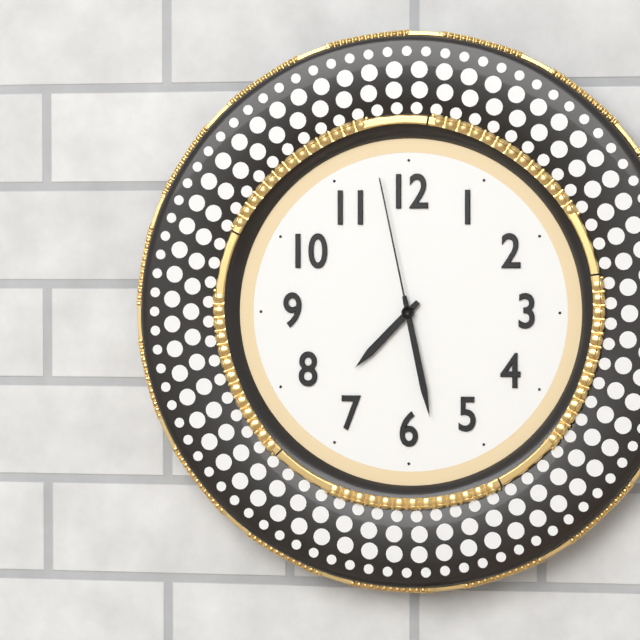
7.28.58
